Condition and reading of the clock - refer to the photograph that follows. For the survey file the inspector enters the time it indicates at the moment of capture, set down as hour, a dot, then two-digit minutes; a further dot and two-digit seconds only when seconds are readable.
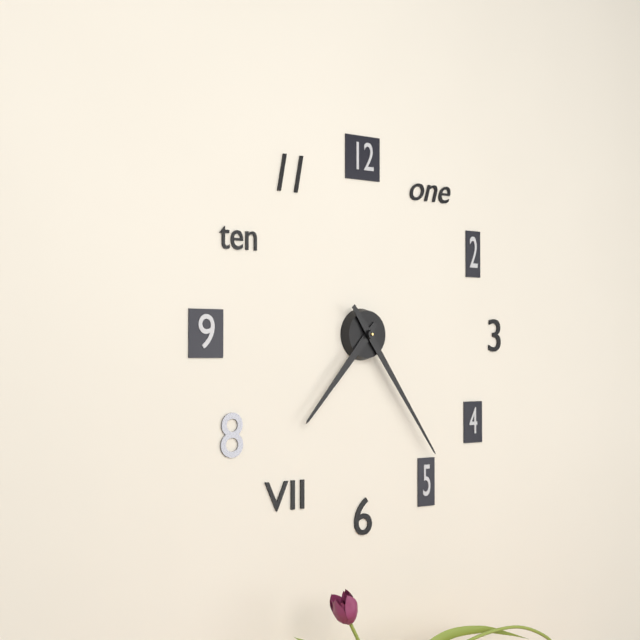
7.24
